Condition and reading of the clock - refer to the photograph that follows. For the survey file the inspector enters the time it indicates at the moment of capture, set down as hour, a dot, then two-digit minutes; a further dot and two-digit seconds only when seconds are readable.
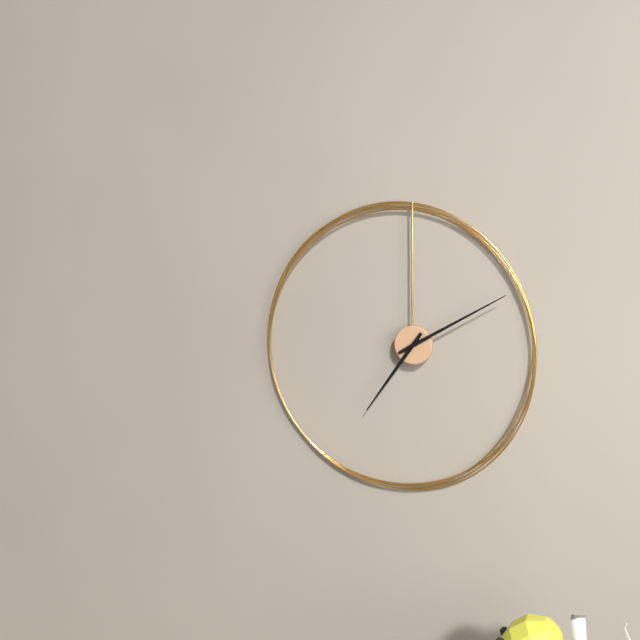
7.10
